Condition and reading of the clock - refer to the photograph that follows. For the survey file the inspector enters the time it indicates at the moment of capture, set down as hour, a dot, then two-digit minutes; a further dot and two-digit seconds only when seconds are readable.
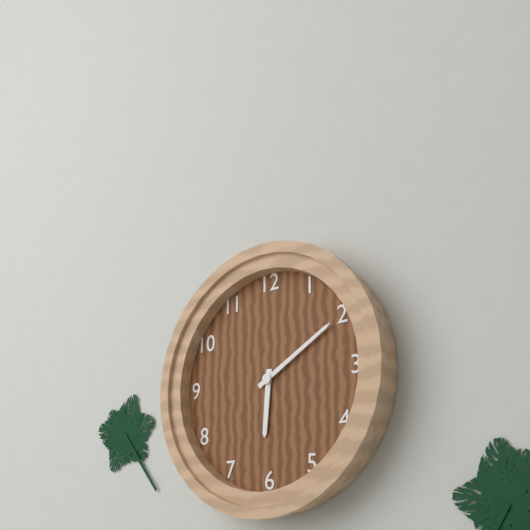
6.10
